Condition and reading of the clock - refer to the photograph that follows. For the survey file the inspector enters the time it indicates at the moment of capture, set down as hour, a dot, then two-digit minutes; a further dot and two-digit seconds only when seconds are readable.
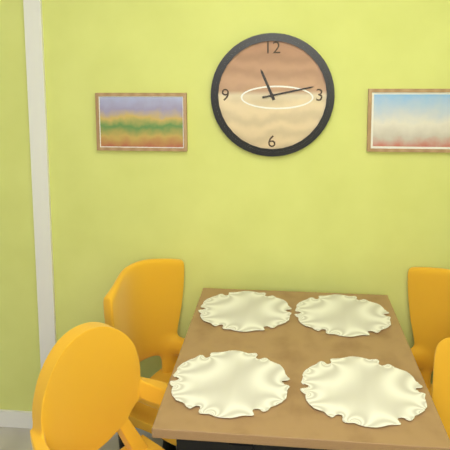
11.13
